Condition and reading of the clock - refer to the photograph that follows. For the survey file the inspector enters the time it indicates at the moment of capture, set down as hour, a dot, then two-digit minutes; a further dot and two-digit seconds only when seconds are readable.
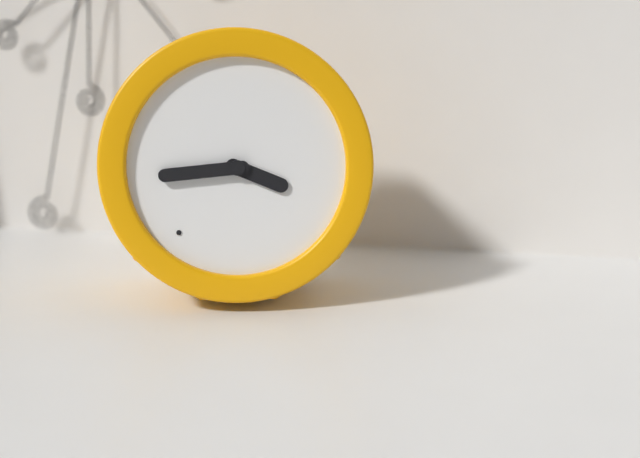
3.44
